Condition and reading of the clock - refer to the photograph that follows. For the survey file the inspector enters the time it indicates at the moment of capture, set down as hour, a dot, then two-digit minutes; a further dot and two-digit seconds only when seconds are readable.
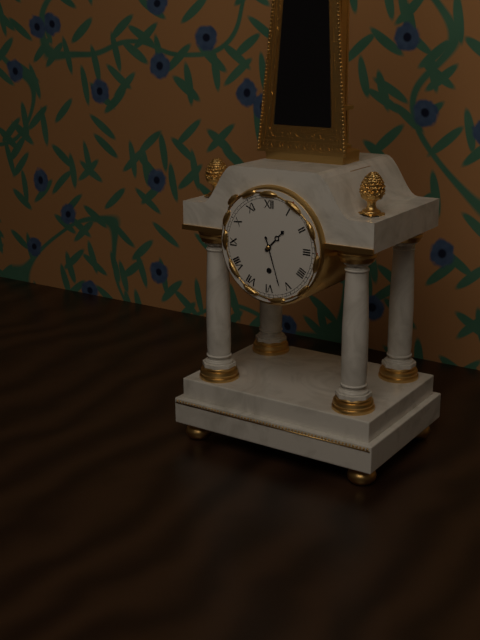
1.27
